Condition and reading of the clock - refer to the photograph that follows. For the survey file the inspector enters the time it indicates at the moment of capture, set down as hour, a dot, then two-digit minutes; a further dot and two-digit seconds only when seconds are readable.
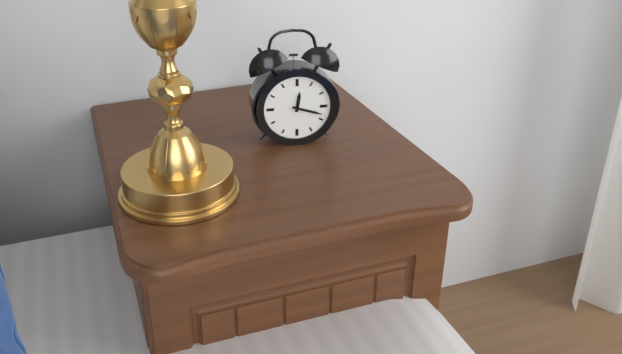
12.18
